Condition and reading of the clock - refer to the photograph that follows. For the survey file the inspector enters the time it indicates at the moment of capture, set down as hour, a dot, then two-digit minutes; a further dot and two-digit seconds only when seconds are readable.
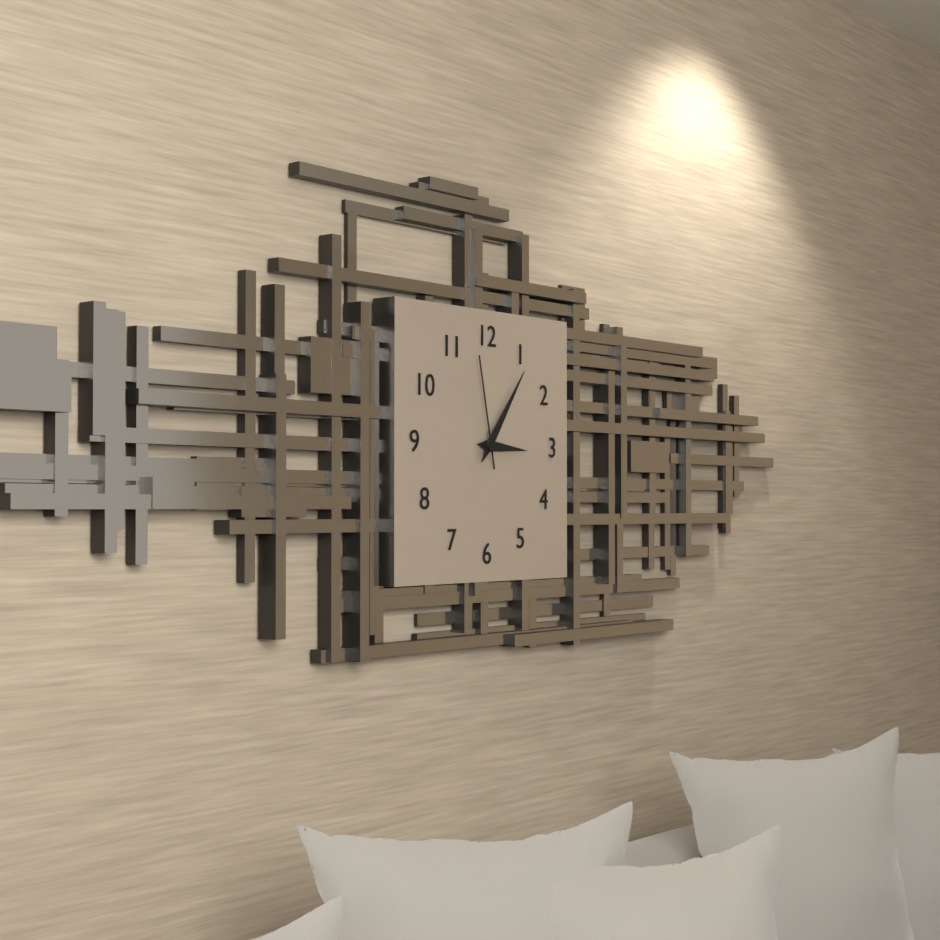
3.06.58
